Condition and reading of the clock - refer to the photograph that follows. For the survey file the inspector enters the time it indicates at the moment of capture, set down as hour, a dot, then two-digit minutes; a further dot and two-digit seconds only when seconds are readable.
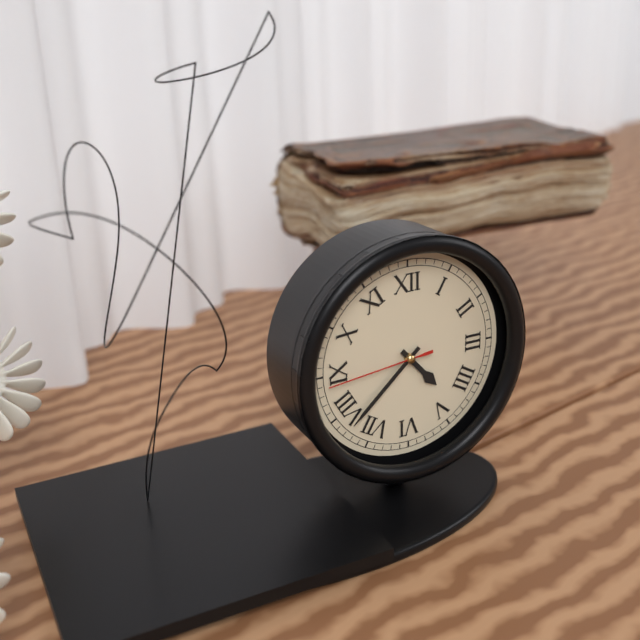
4.38.44
